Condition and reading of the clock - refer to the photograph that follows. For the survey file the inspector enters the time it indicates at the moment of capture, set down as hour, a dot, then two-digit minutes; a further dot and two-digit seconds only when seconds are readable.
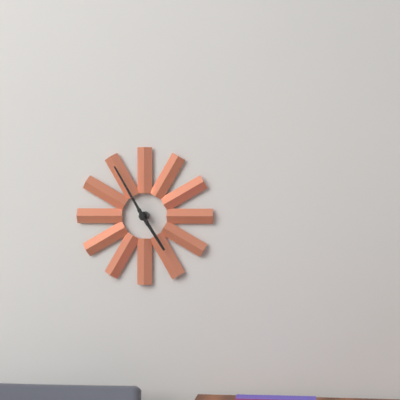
4.55
